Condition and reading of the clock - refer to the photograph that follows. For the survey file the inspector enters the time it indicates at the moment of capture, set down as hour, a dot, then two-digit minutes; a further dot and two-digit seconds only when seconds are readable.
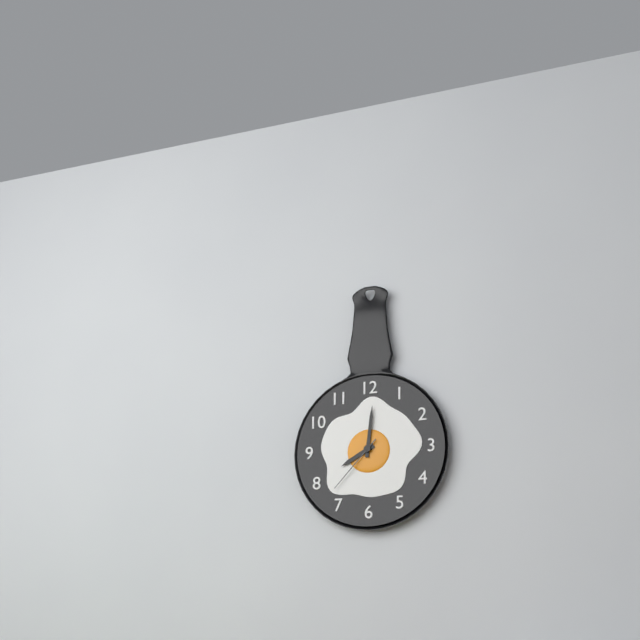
8.01.37
